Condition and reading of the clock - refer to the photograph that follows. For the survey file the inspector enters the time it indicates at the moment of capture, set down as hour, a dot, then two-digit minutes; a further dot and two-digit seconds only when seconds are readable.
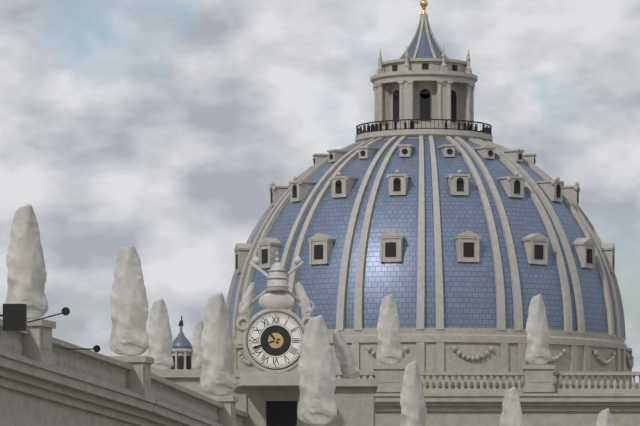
10.42
